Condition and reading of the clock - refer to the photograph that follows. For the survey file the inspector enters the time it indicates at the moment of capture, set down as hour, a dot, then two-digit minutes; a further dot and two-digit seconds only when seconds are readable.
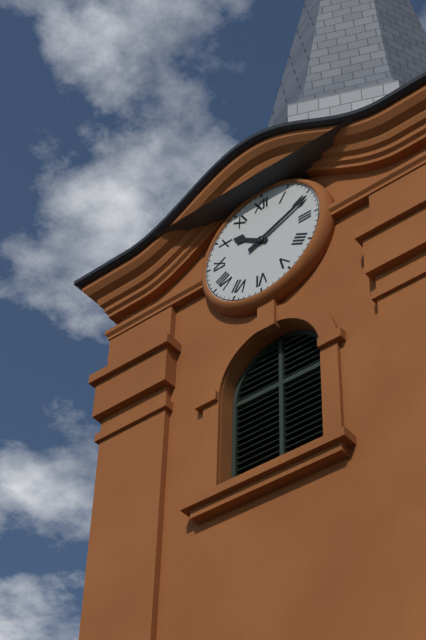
10.11
